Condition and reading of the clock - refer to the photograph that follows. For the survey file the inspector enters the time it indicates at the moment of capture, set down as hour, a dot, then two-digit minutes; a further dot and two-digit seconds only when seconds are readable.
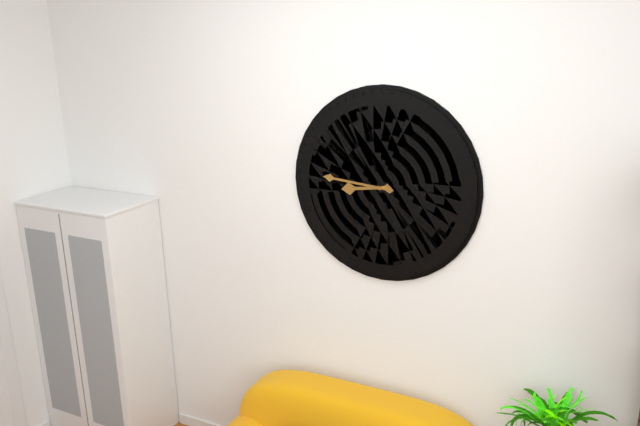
8.46
